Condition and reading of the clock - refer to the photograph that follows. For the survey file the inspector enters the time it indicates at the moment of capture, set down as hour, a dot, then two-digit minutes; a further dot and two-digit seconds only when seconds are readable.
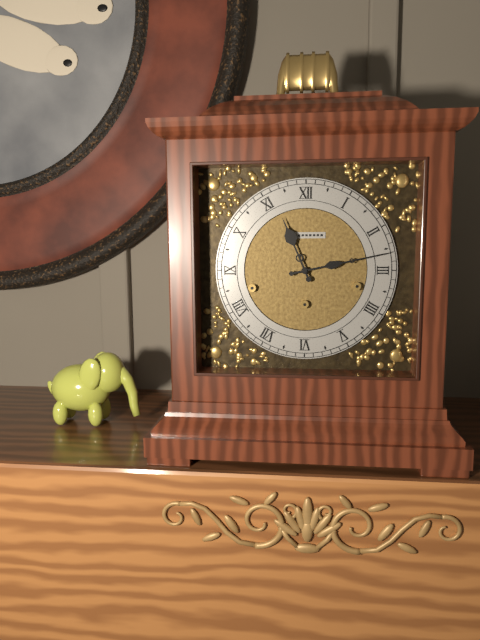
11.13
